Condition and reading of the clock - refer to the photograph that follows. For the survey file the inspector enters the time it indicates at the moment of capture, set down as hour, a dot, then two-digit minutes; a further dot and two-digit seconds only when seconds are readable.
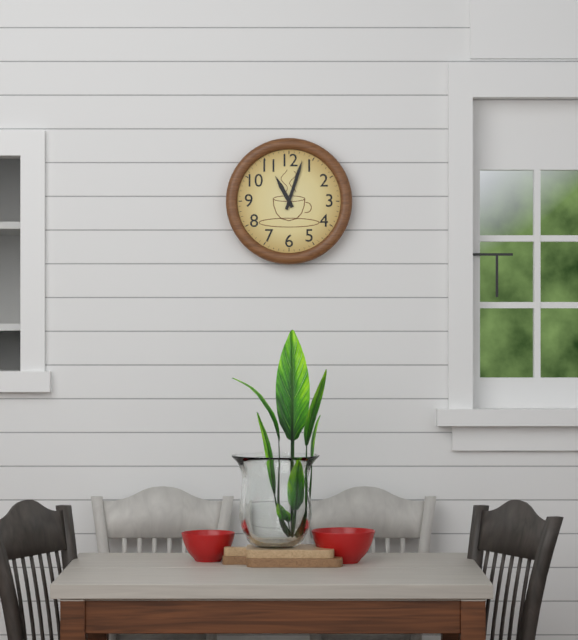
11.03
